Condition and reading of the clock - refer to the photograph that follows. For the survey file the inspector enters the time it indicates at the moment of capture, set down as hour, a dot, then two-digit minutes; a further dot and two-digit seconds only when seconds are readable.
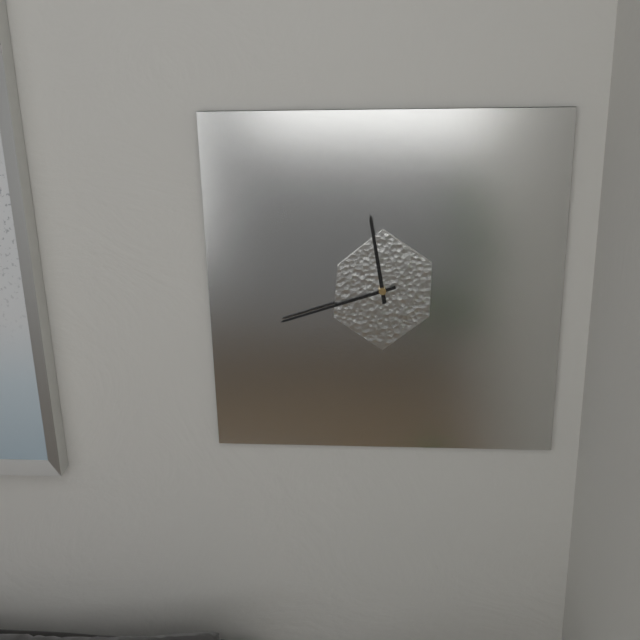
11.42
